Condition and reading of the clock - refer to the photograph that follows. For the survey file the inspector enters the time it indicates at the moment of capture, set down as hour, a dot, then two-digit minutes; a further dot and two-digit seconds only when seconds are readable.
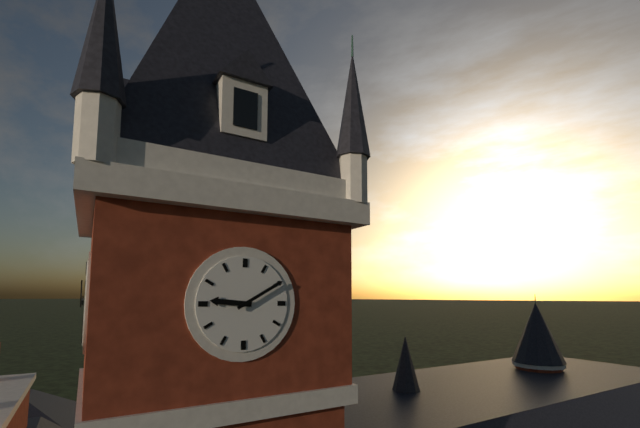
9.10
